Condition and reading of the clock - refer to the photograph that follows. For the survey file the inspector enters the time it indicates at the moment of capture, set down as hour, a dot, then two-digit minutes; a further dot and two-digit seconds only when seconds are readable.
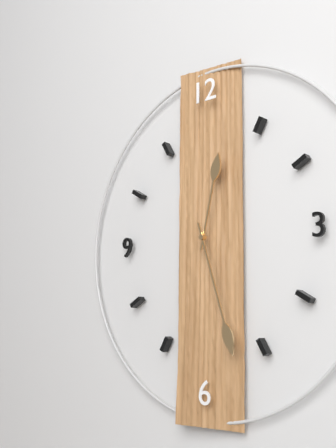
12.27
